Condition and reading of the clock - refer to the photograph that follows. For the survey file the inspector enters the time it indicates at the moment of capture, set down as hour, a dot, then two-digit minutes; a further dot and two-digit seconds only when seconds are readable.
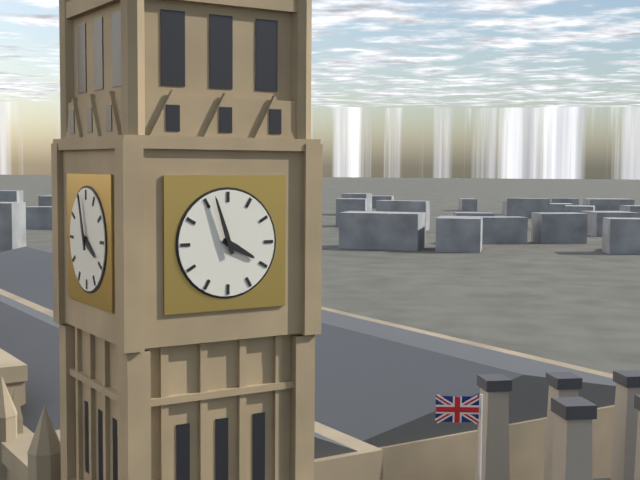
3.57
